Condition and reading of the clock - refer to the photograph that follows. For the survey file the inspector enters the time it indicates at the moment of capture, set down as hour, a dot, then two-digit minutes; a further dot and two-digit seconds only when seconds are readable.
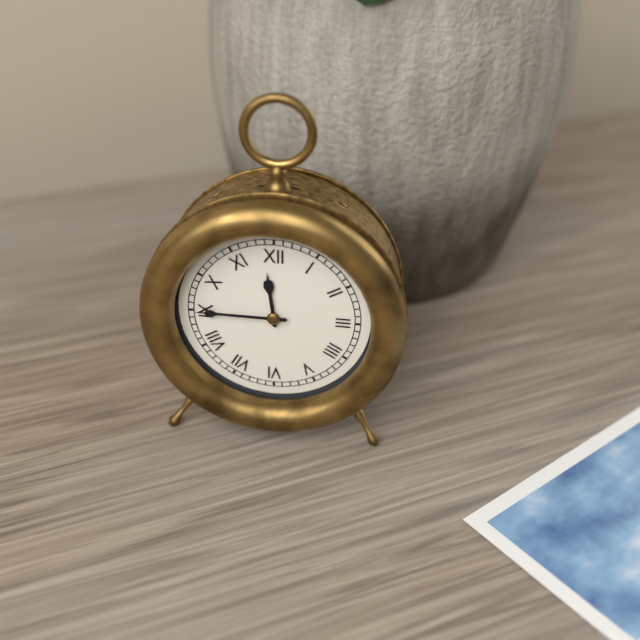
11.45
